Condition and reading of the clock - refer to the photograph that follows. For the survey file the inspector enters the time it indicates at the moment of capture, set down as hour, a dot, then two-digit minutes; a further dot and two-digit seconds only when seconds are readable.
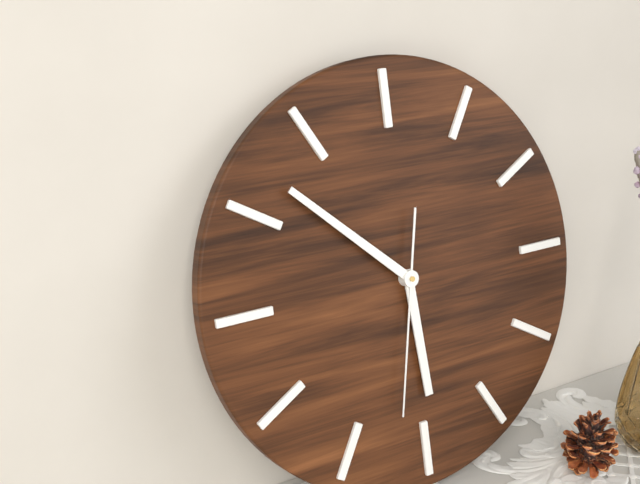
5.52.32
